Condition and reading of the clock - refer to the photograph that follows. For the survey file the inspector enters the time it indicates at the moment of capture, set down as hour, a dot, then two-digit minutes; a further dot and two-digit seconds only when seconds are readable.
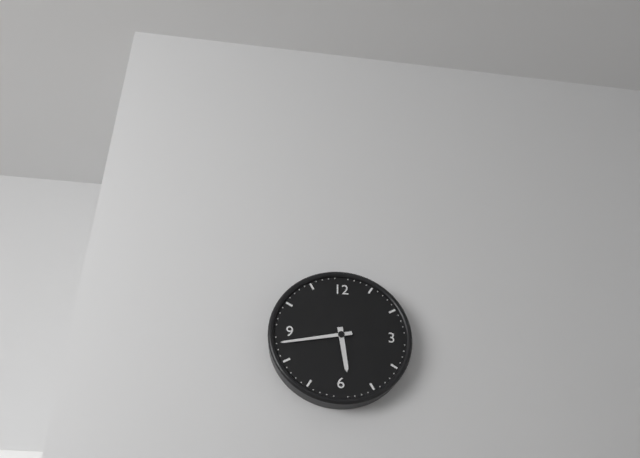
5.43
